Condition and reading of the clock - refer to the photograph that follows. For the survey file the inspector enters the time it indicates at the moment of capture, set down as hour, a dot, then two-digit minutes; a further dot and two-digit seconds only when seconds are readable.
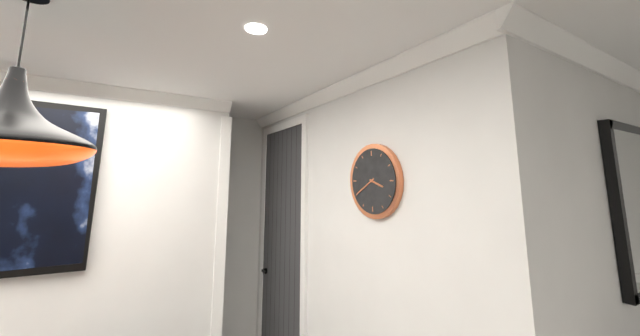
3.40
